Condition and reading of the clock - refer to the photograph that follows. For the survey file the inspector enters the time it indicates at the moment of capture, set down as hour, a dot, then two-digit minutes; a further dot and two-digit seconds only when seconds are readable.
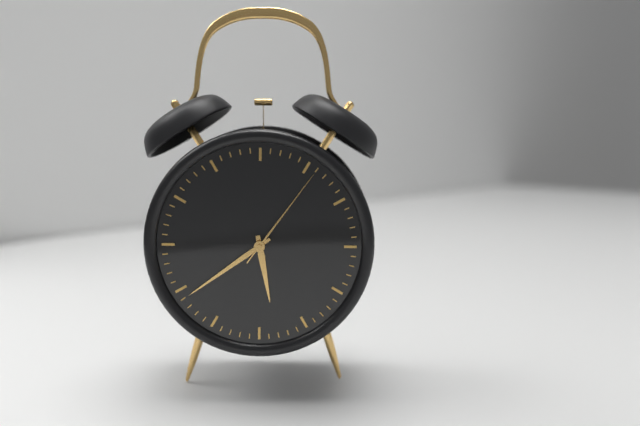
5.39.06
